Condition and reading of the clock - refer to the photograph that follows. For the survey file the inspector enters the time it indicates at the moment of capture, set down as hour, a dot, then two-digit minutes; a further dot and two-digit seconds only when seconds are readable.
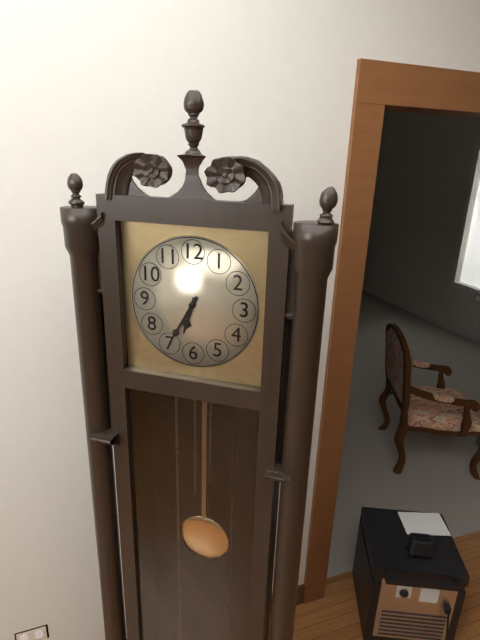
6.35
